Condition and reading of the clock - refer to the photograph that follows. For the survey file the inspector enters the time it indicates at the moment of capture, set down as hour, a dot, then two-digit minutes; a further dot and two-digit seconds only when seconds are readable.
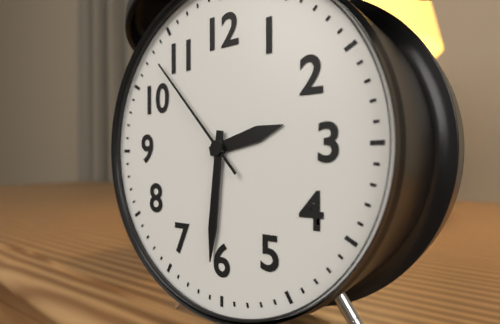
2.31.53
